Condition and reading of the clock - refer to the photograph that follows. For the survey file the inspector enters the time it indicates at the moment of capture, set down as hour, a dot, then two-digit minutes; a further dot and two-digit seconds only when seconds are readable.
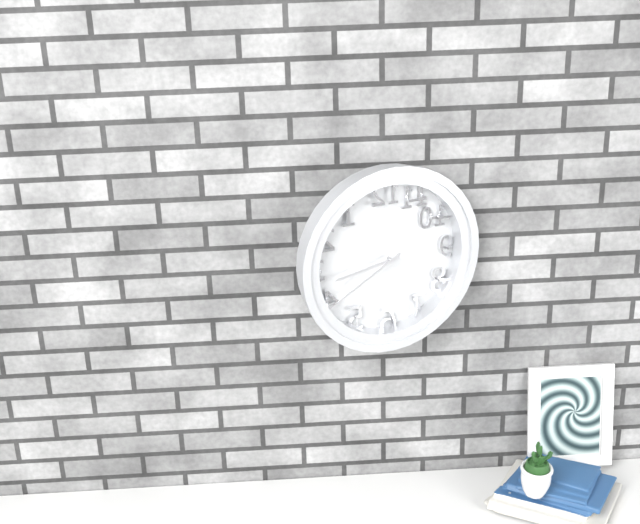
8.40
